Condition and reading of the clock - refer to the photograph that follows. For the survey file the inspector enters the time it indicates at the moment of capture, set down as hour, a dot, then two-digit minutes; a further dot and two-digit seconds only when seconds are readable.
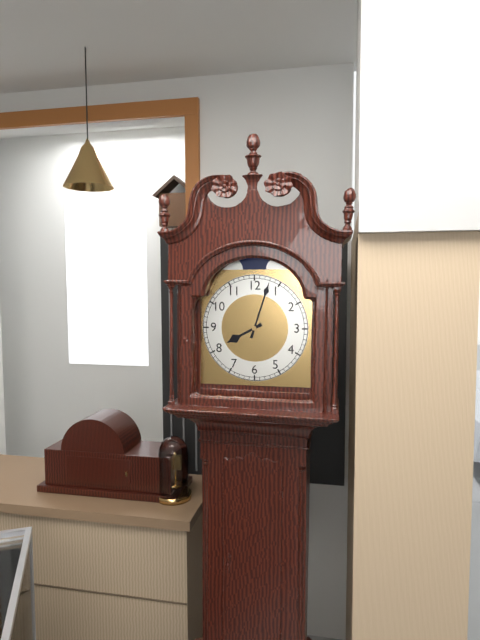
8.03
